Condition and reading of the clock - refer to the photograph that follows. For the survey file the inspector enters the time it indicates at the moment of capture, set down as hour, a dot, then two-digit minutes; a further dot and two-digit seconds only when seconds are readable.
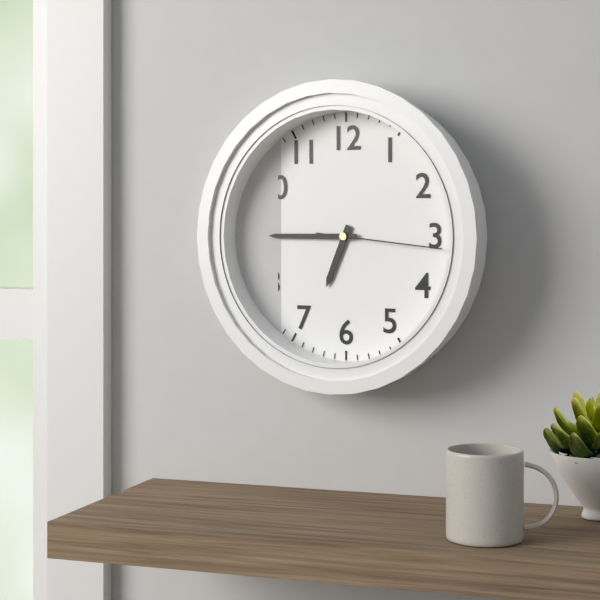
6.45.16
